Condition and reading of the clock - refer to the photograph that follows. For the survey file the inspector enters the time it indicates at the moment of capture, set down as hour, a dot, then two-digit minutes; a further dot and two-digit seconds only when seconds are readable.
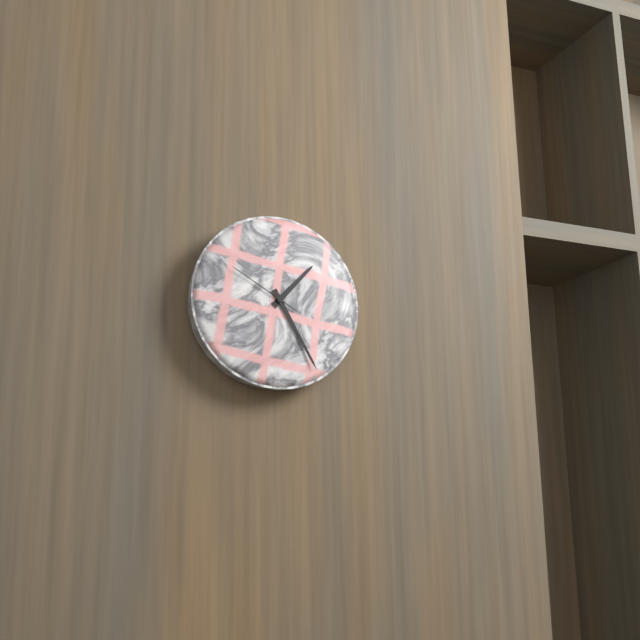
1.25.50
